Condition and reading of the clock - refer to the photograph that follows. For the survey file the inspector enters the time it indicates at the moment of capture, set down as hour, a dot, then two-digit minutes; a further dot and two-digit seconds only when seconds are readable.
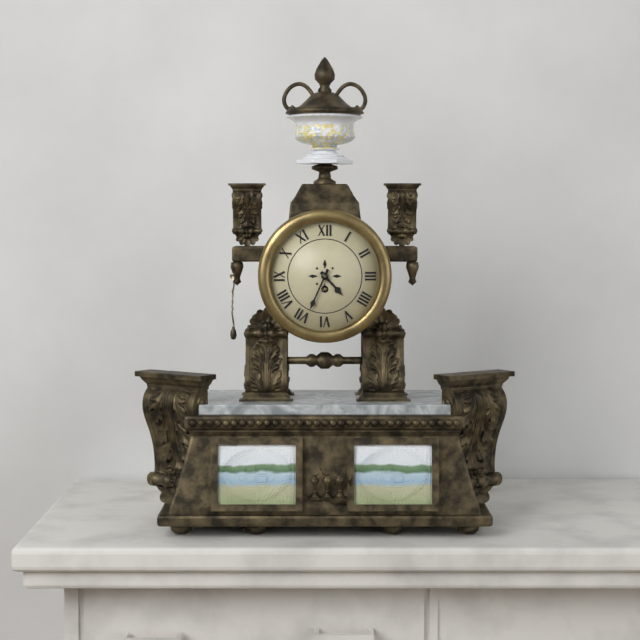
4.34
